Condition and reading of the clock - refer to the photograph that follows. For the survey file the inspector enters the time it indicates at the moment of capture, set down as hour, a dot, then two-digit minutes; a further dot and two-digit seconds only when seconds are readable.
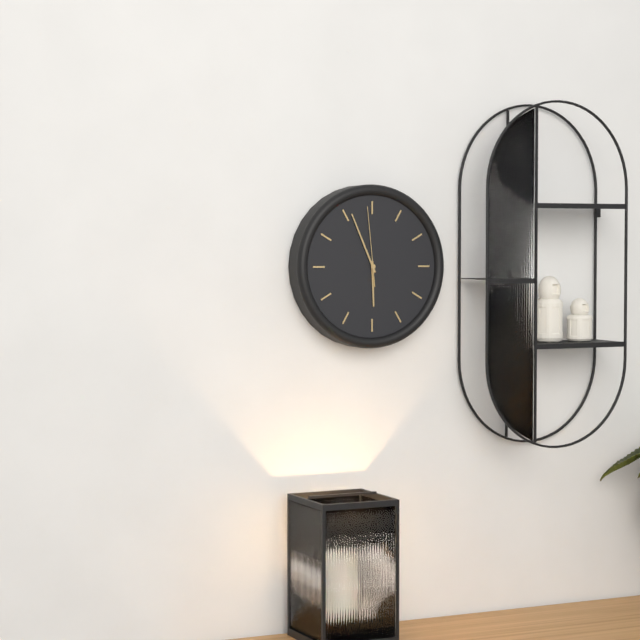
5.56.59
